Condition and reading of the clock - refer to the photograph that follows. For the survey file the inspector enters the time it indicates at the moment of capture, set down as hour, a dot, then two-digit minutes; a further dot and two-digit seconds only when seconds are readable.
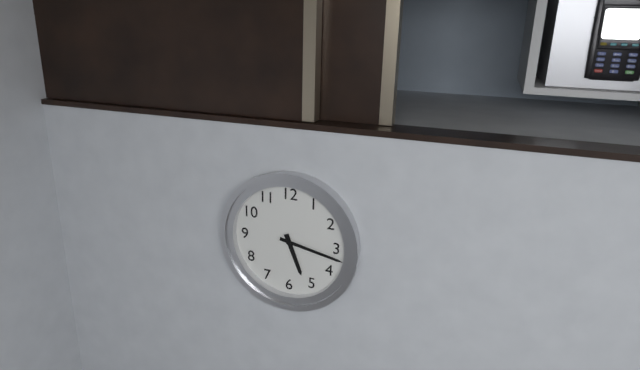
5.17
